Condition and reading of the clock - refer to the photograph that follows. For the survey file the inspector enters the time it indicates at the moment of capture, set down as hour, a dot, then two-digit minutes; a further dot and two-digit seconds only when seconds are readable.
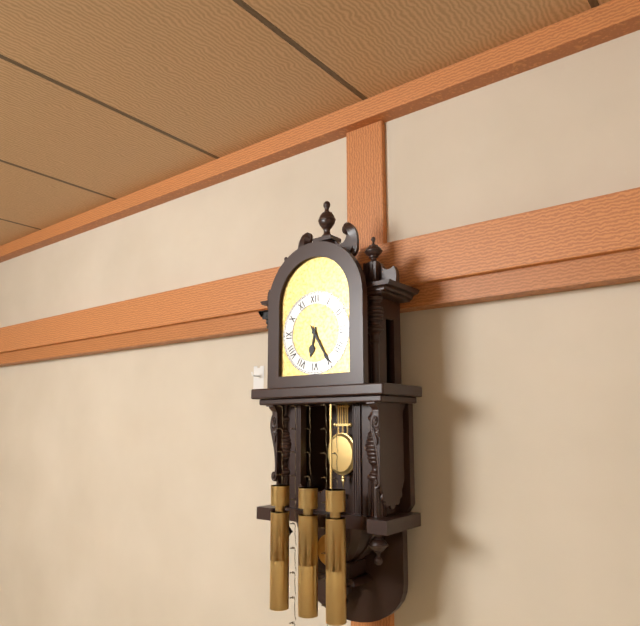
6.25
